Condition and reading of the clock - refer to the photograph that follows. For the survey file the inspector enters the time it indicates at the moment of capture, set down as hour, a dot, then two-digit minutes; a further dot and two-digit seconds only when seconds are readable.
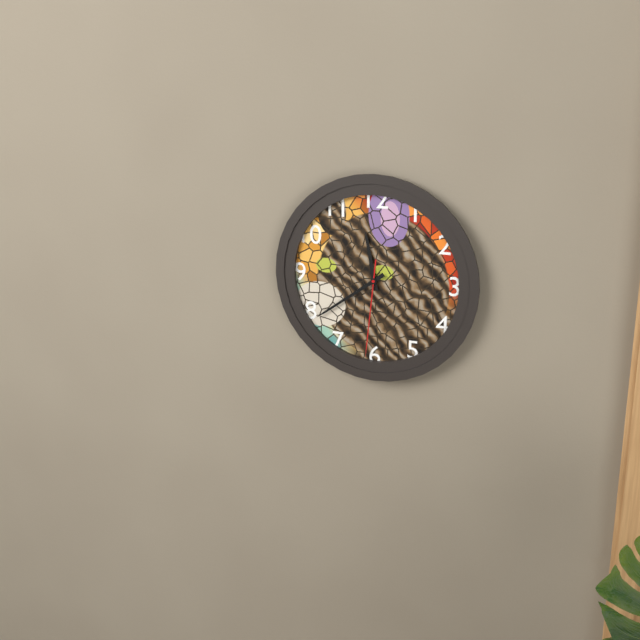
11.39.31
